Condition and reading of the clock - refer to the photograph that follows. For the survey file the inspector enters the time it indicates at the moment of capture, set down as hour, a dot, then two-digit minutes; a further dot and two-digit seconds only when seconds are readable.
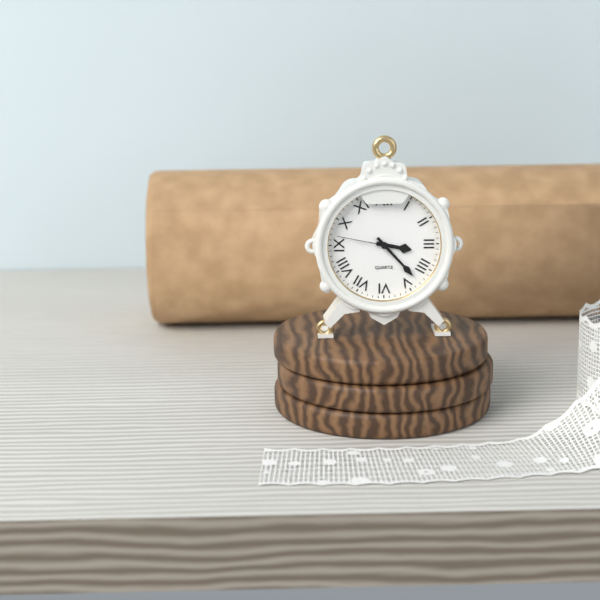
3.23.47
